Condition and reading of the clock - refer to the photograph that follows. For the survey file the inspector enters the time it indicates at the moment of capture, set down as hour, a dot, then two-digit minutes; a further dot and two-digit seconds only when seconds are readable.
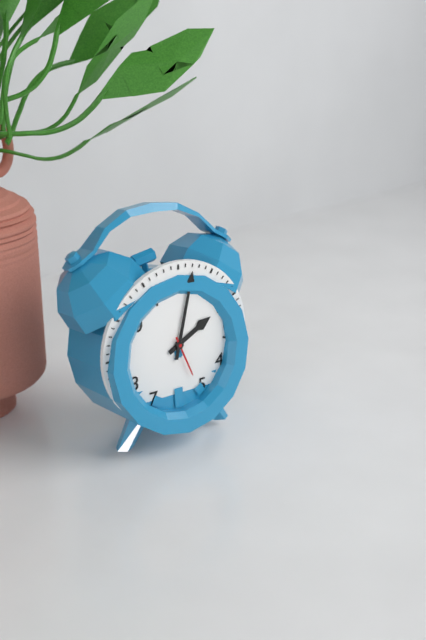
2.02
